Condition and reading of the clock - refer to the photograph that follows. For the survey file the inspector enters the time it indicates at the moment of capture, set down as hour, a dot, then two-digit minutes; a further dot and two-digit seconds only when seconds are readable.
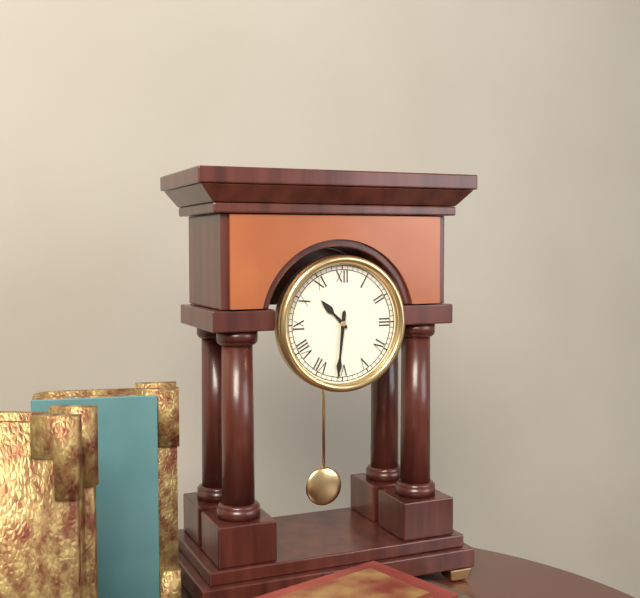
10.31
